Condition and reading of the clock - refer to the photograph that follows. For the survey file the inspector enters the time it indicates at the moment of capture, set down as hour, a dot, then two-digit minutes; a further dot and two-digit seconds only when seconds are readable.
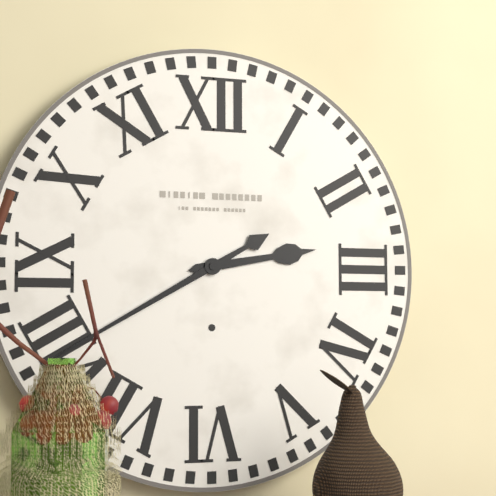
2.40
